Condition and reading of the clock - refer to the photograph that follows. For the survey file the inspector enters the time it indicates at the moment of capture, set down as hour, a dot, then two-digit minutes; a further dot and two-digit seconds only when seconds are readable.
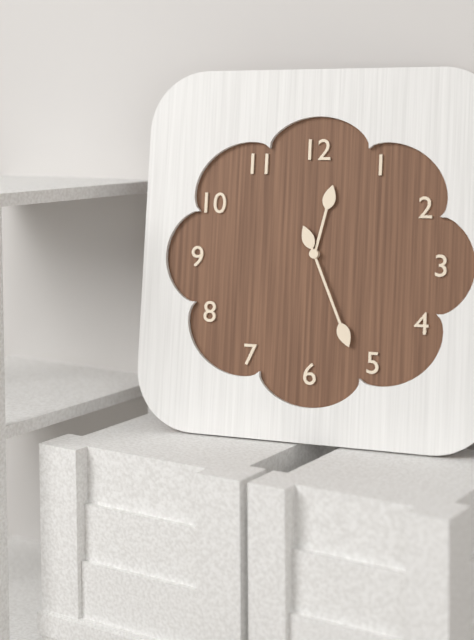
12.26
